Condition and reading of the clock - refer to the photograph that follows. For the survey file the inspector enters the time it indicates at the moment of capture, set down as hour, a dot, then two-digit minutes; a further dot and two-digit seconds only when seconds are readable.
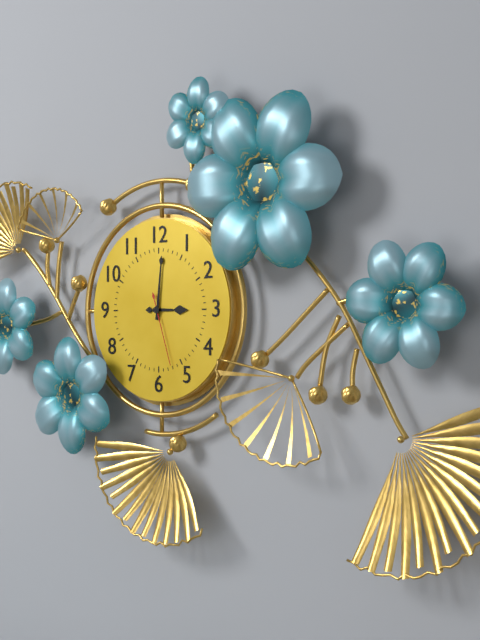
3.01.27
